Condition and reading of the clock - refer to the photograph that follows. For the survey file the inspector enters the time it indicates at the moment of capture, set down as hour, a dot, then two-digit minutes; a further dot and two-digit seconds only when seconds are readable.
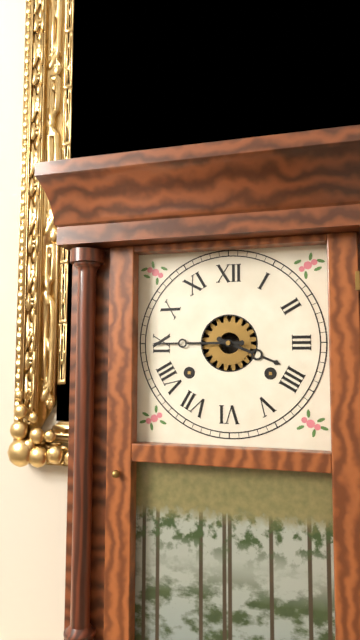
3.45
